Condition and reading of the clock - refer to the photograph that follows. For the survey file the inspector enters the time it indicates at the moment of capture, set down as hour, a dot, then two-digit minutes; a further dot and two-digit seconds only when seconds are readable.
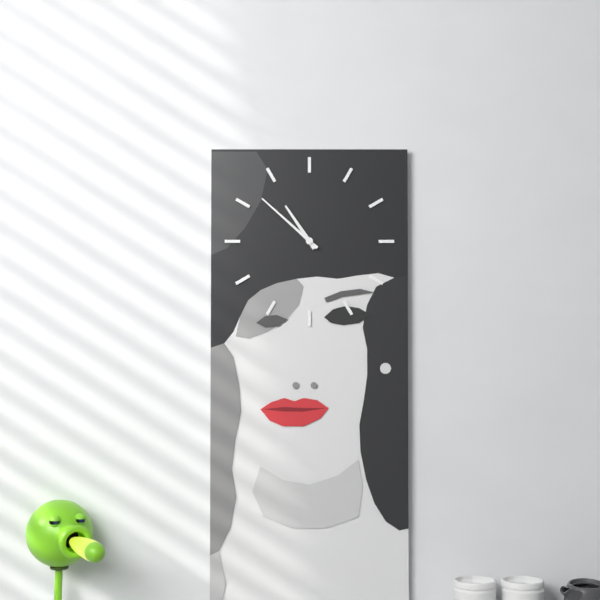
10.52
